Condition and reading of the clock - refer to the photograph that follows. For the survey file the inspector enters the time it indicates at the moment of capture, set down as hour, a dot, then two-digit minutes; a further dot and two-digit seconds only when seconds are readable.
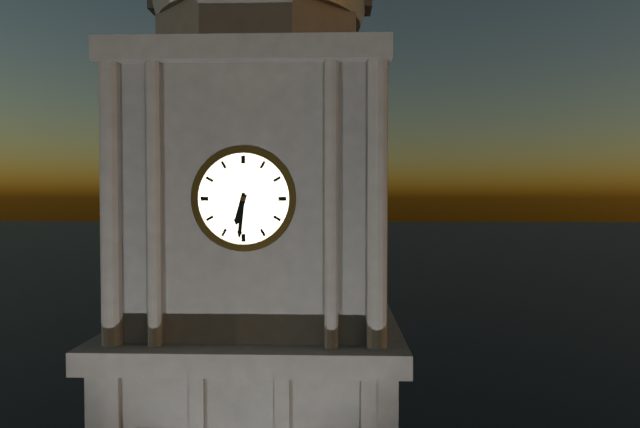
6.31
